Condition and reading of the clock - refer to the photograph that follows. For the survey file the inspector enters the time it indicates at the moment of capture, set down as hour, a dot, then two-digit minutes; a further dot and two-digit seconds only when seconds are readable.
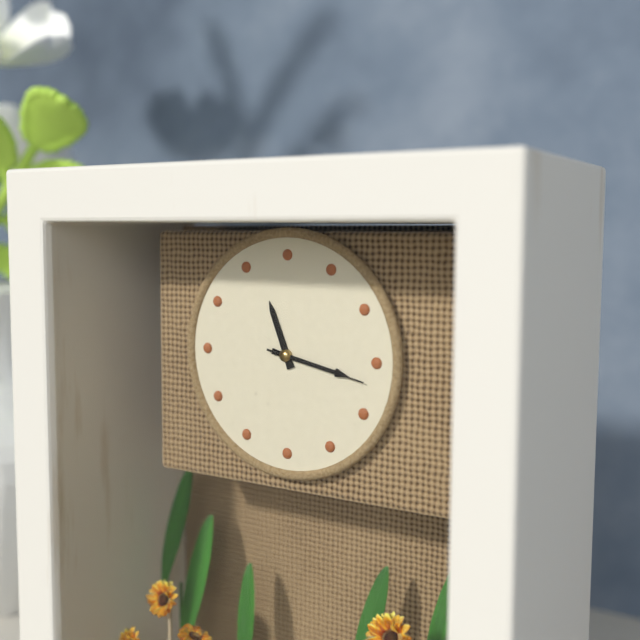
11.17.17
